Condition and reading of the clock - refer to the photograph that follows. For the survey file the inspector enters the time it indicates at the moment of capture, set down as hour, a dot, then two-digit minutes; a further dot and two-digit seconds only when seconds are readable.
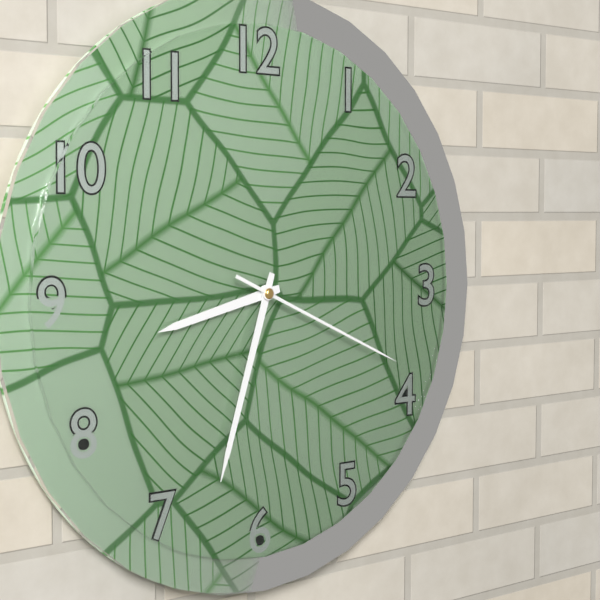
8.33.19
